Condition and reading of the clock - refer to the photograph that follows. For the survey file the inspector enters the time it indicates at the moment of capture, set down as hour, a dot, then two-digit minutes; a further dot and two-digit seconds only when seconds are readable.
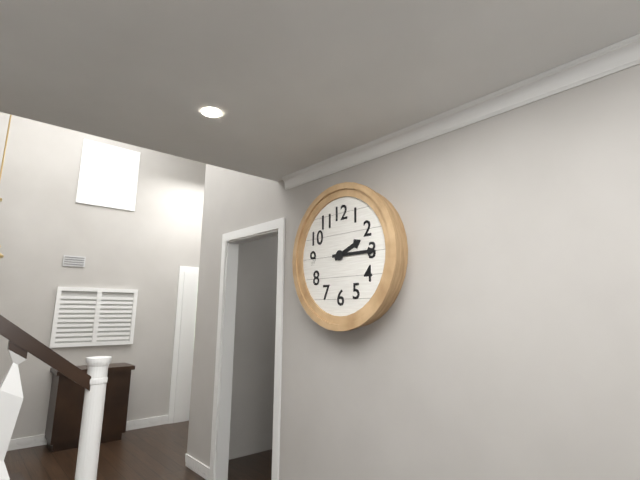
2.15
